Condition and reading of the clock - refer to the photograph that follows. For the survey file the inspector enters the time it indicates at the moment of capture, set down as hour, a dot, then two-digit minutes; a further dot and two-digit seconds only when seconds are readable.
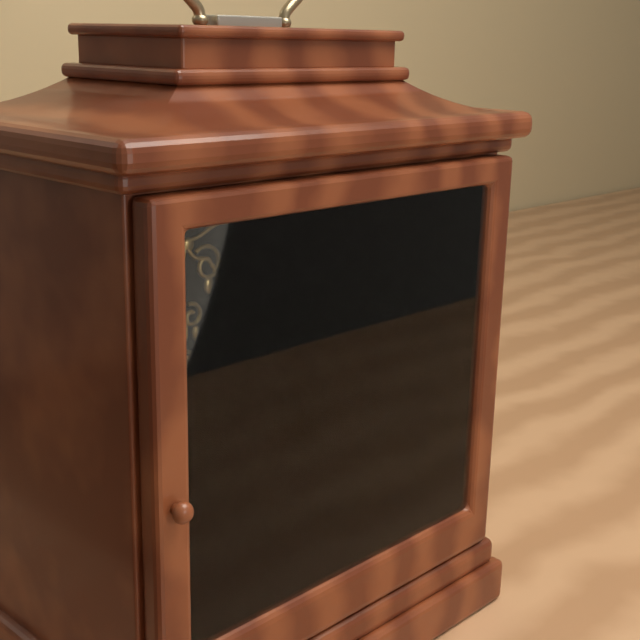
5.15
